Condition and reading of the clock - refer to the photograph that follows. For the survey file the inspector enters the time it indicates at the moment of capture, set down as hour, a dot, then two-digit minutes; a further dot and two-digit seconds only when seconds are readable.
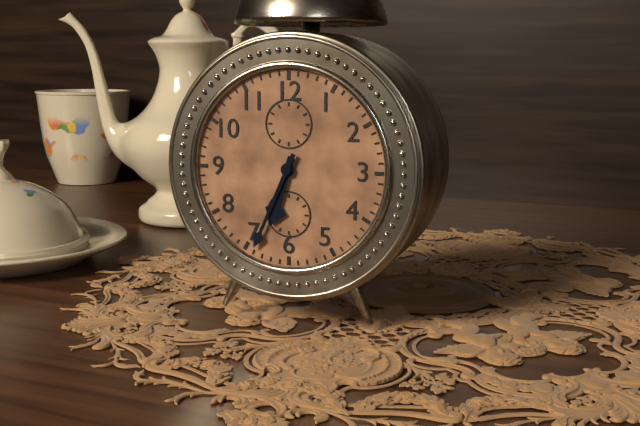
6.34
